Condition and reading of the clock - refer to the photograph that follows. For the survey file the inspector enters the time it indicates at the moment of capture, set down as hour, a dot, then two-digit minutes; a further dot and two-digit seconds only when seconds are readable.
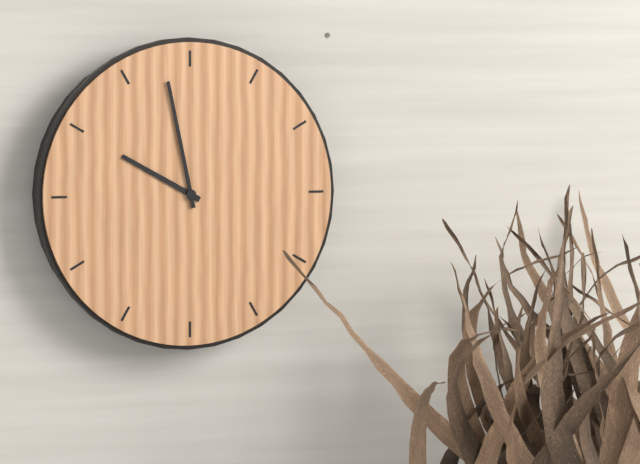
9.58
